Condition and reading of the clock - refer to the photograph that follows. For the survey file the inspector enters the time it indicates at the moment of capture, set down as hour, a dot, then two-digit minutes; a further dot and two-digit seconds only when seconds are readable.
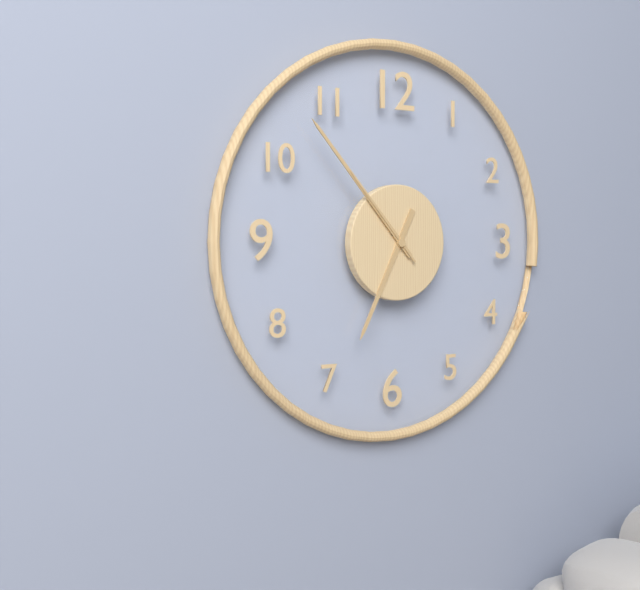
6.53.53
